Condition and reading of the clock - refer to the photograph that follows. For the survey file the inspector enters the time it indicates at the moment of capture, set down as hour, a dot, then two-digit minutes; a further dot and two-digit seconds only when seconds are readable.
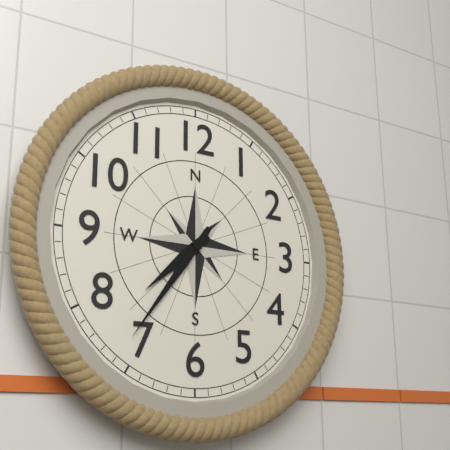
7.36
